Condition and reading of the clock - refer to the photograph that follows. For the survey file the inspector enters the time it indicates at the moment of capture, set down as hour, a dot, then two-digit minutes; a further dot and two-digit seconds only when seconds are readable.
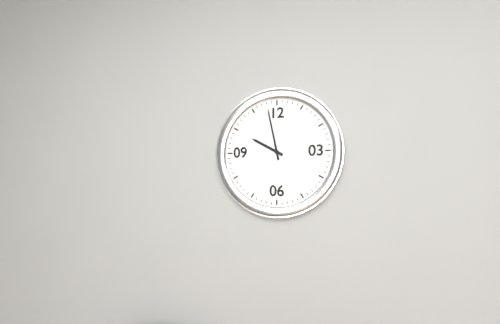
9.58
